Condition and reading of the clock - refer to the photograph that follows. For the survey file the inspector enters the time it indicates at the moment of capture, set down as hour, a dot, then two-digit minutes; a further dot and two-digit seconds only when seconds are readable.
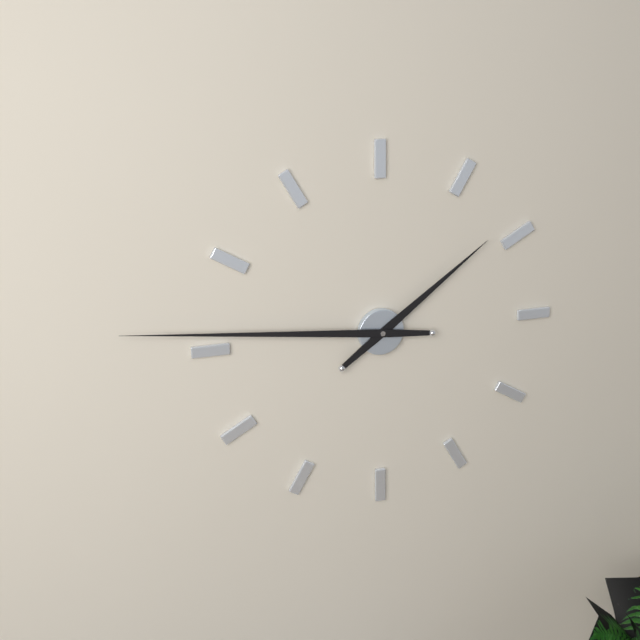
1.46
